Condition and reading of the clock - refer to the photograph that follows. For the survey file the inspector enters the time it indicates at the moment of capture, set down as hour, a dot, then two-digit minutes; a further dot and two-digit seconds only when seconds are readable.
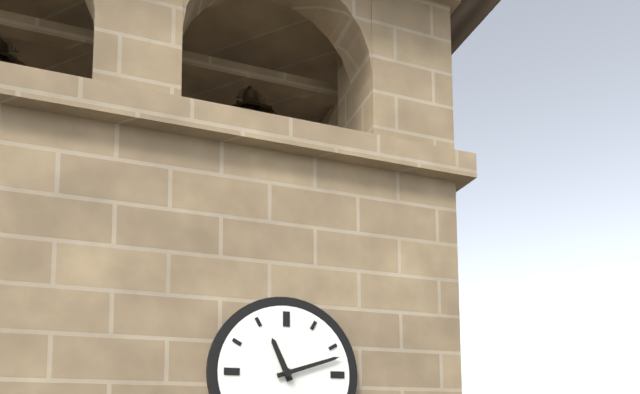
11.12
